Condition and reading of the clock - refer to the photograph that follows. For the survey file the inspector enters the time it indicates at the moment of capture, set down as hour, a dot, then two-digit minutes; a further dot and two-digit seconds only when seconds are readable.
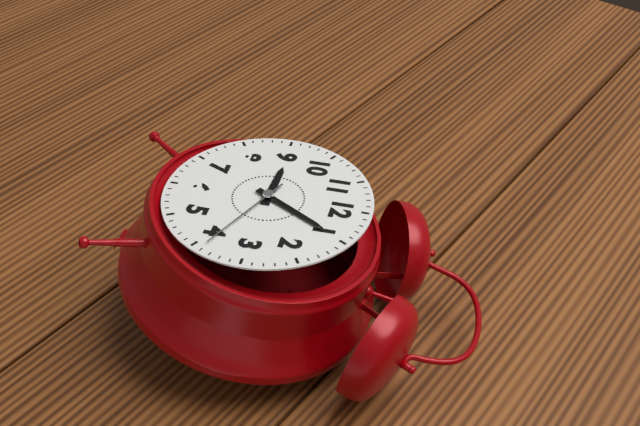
9.05.19
